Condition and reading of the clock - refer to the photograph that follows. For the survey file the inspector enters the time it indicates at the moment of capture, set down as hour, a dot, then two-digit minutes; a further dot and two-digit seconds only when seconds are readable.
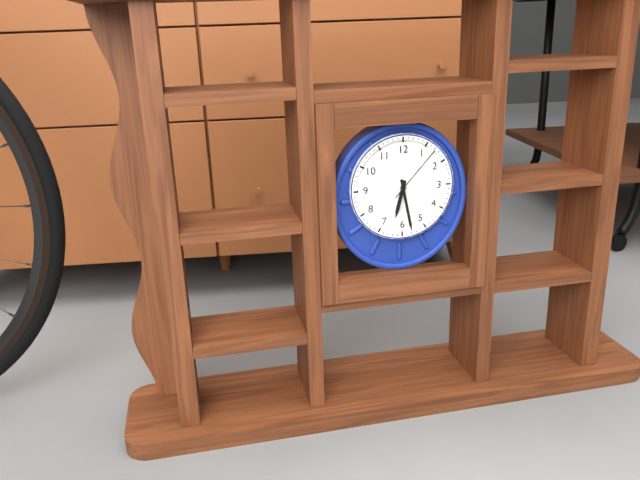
6.28.07
